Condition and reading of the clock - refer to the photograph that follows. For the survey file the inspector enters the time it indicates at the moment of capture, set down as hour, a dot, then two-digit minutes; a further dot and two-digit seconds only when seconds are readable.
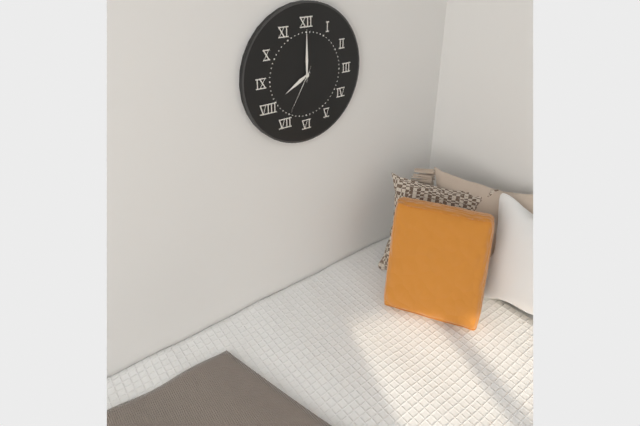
8.00.35
